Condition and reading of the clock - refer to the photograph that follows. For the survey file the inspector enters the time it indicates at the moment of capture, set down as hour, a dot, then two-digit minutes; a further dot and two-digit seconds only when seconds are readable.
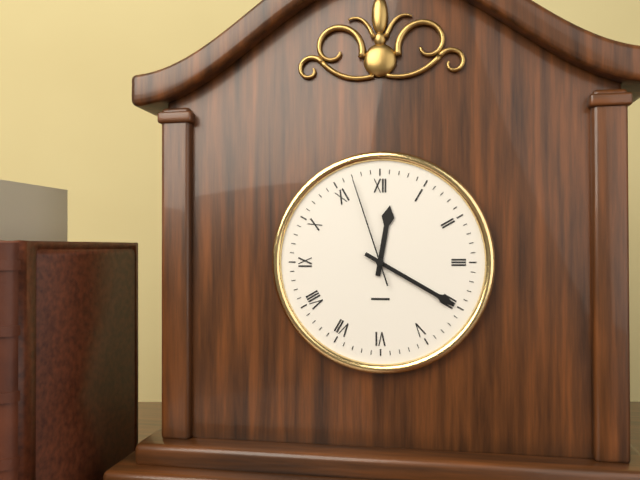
12.20.57
